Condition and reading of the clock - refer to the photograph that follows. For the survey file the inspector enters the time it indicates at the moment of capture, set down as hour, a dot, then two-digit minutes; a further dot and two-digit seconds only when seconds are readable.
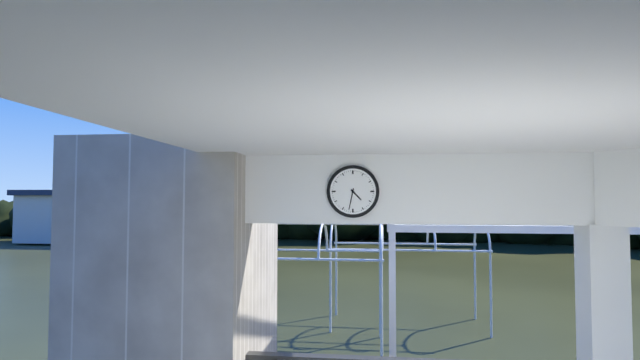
4.32
